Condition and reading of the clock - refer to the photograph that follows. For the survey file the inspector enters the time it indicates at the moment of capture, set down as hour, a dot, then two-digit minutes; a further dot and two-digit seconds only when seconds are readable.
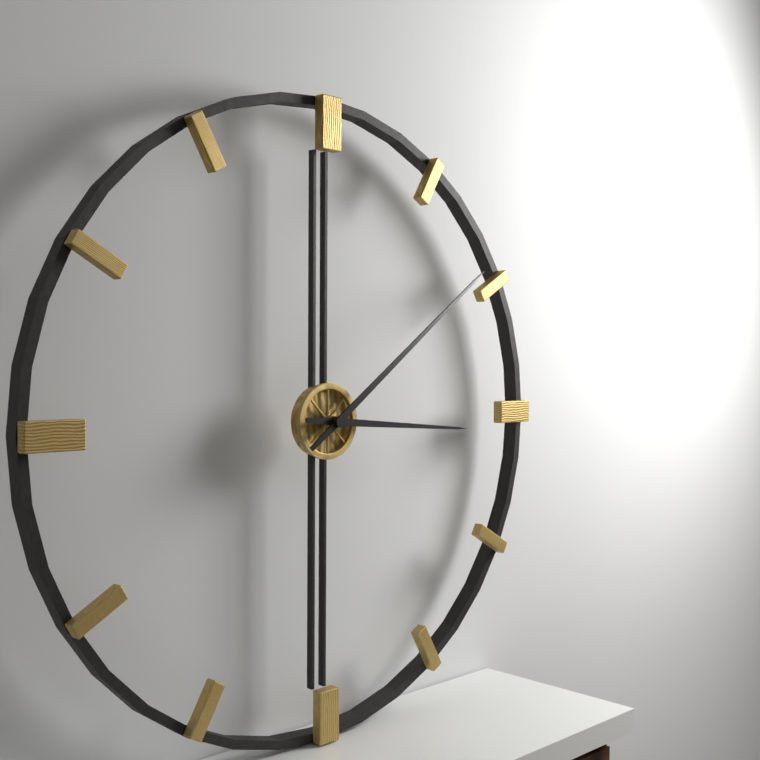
3.09
